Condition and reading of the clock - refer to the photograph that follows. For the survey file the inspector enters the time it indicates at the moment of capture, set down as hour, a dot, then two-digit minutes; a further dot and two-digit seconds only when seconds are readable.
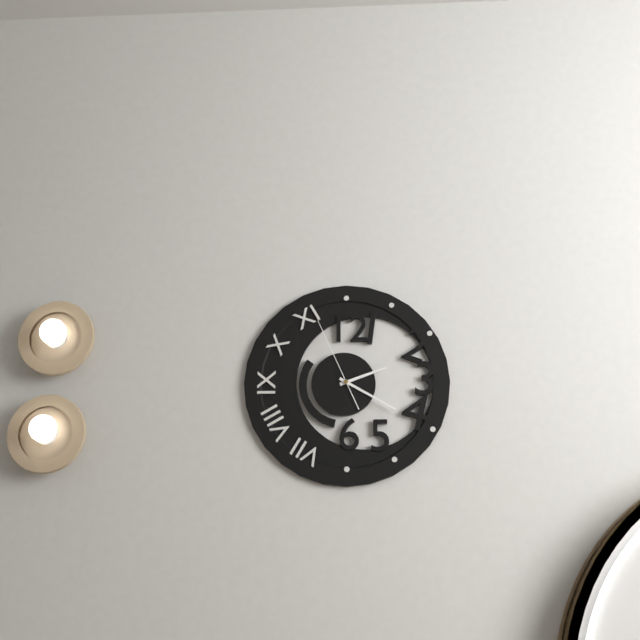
2.20.56
